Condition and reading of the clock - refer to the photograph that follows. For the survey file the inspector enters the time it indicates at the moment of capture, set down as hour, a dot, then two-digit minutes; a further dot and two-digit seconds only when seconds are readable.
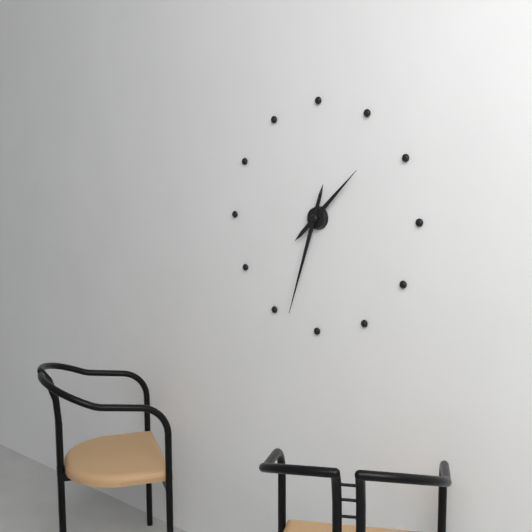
1.33
